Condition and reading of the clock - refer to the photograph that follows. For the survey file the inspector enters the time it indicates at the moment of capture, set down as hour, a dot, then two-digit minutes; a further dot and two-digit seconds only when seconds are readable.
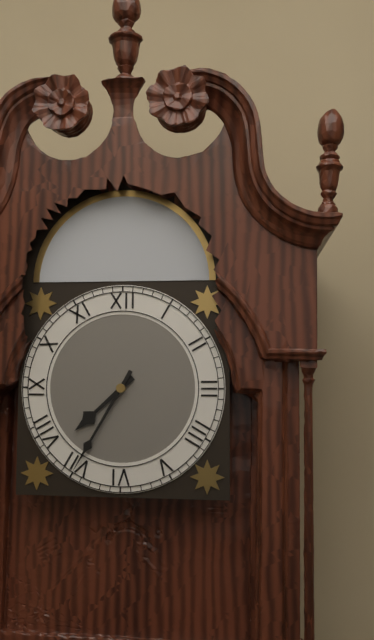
7.35
